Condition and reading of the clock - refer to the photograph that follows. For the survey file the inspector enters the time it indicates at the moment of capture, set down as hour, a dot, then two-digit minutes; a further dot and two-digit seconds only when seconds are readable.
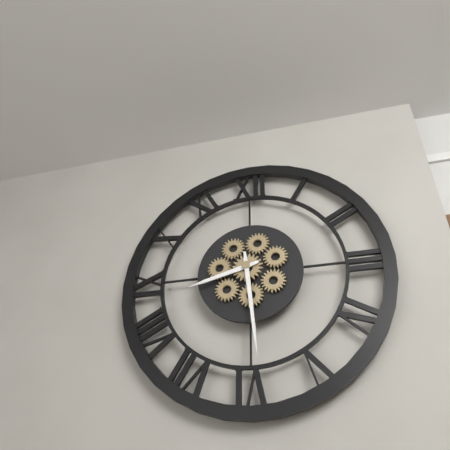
8.29
